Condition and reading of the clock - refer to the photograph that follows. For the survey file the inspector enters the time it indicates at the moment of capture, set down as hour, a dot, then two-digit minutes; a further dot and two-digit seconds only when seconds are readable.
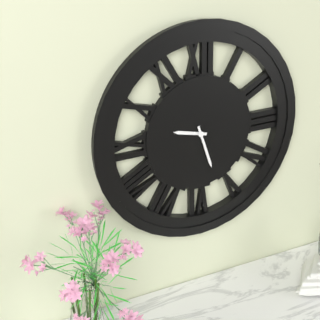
9.27
